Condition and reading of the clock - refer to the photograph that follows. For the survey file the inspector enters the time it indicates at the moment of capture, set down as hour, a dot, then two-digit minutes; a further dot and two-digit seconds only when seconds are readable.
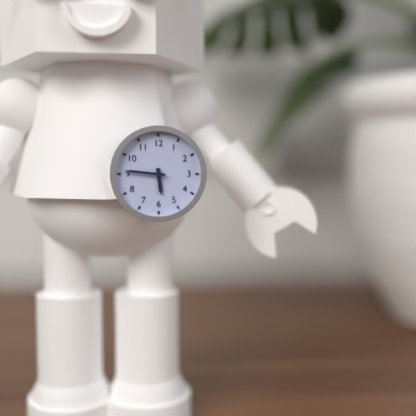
5.46
